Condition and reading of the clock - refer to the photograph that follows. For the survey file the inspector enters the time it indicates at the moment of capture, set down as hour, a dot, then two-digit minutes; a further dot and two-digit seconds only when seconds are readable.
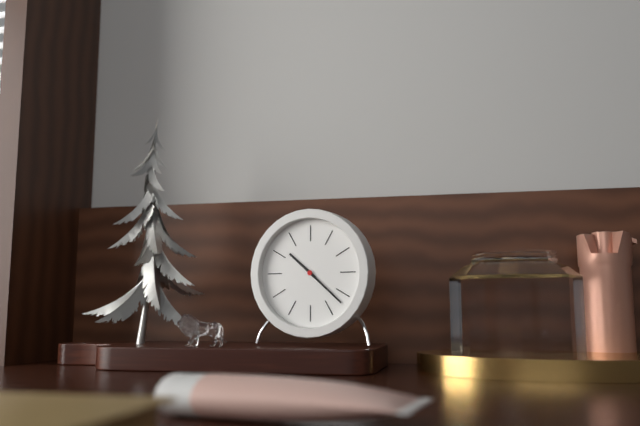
10.22
